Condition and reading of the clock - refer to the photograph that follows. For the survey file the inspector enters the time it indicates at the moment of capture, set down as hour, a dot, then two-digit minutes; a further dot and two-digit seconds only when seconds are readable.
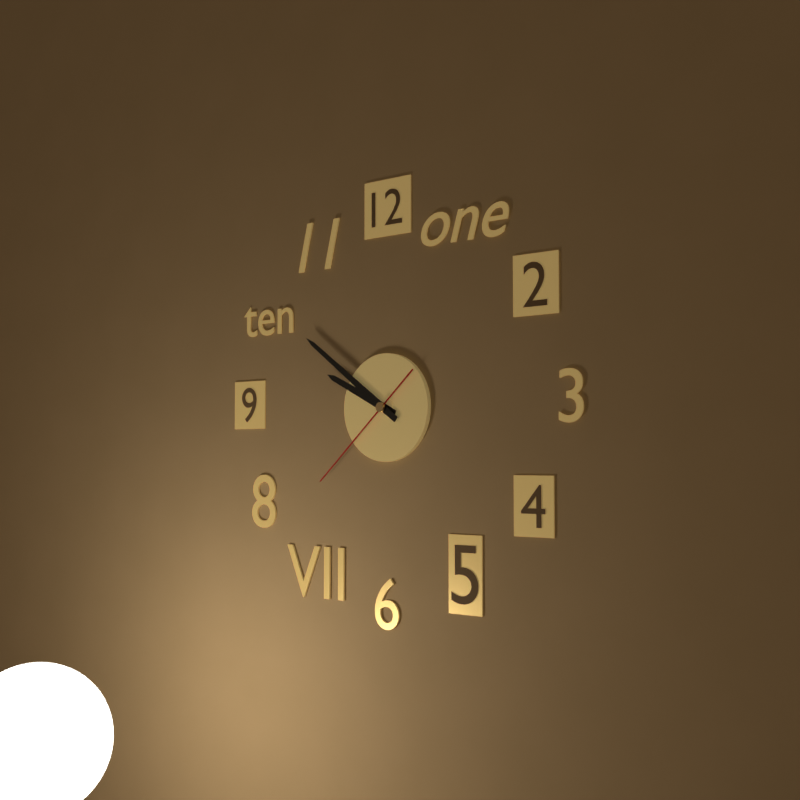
9.51.38
